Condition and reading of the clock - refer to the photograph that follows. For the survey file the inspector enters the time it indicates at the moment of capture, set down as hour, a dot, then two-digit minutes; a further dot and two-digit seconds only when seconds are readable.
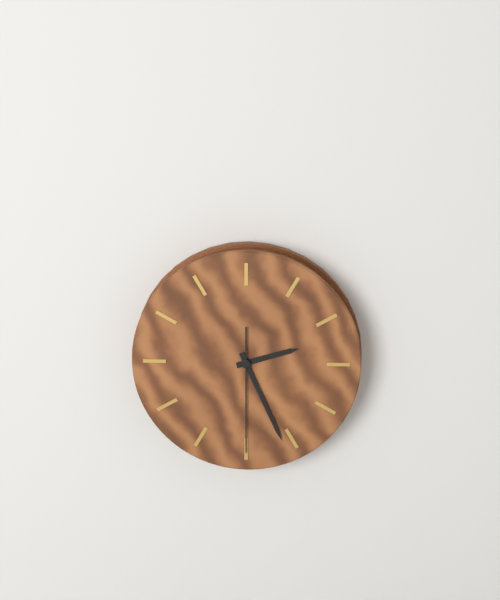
2.26.30
